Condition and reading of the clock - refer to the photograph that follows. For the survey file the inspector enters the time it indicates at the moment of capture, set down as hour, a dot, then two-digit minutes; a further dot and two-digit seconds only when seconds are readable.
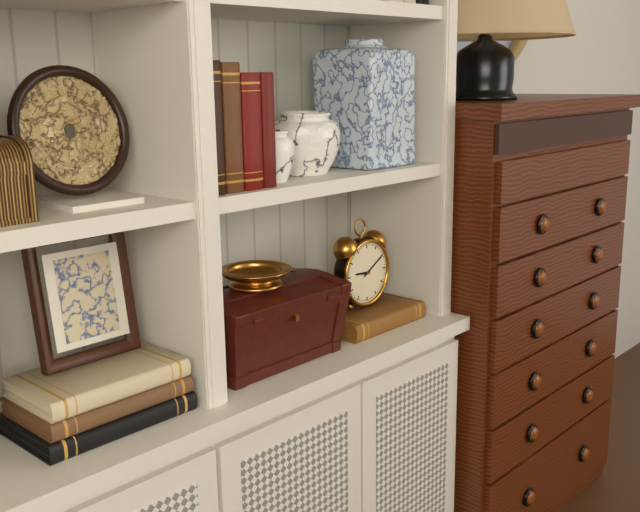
9.10
